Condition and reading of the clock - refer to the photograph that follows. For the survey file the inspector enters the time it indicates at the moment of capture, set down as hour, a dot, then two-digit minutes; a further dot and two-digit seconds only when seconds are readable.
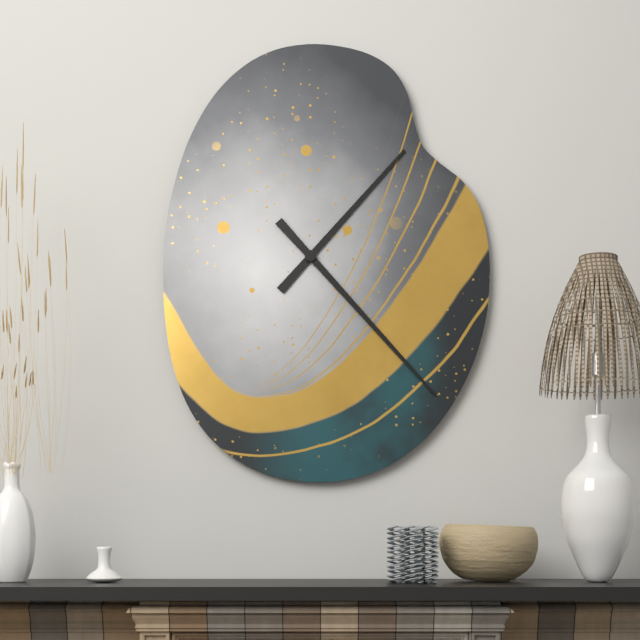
1.23
